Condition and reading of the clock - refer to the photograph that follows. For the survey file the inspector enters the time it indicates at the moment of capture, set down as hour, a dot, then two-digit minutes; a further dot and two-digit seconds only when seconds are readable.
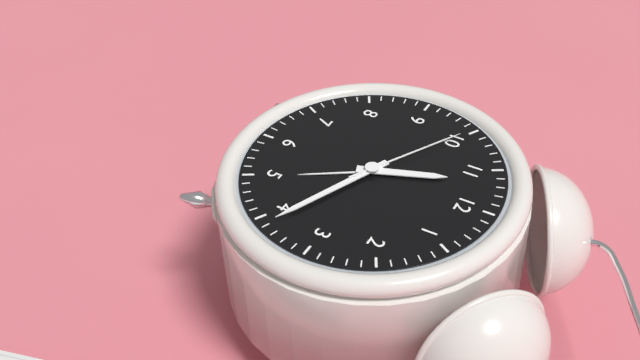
11.19.50
